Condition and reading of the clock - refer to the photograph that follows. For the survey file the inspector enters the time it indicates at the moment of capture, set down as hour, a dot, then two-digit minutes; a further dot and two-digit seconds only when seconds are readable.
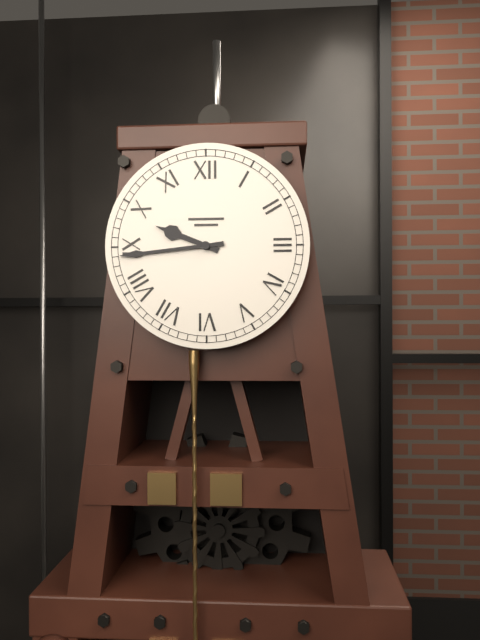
9.44
